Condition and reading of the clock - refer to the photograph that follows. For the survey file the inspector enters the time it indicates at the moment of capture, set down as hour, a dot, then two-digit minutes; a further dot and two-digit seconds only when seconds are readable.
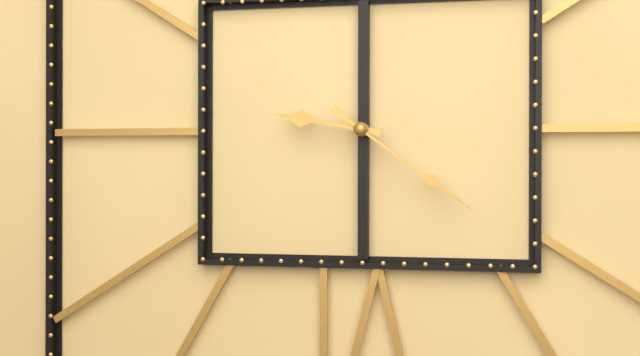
9.21
